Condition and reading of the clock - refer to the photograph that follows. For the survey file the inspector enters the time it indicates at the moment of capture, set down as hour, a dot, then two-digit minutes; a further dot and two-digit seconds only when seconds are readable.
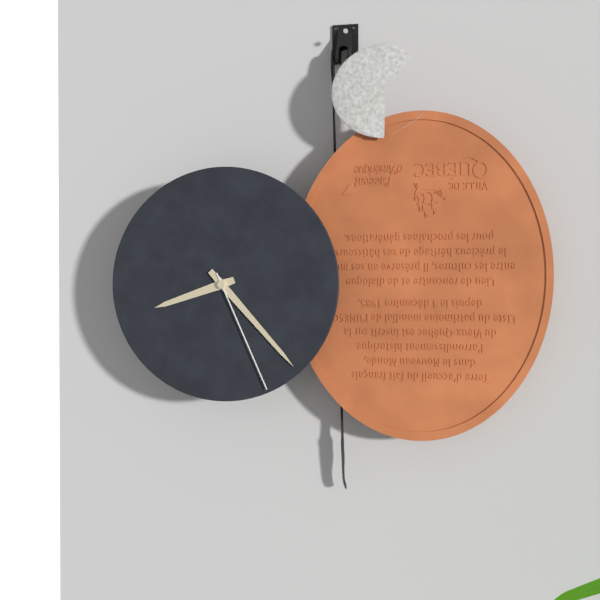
8.23.26
